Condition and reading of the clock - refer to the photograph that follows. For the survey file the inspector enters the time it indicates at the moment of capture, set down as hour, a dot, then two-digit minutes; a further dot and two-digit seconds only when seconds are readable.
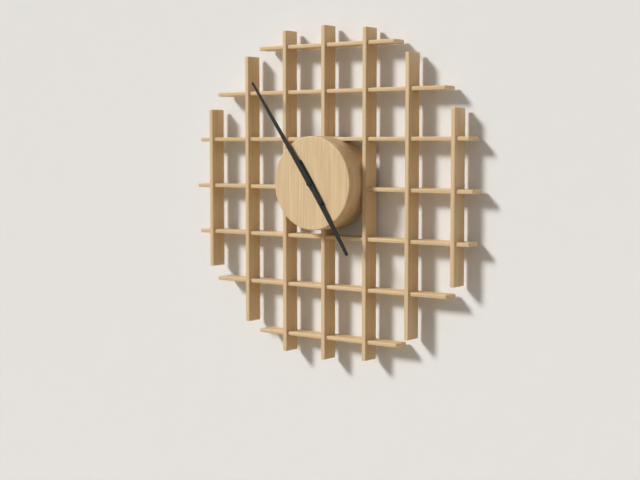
4.54
